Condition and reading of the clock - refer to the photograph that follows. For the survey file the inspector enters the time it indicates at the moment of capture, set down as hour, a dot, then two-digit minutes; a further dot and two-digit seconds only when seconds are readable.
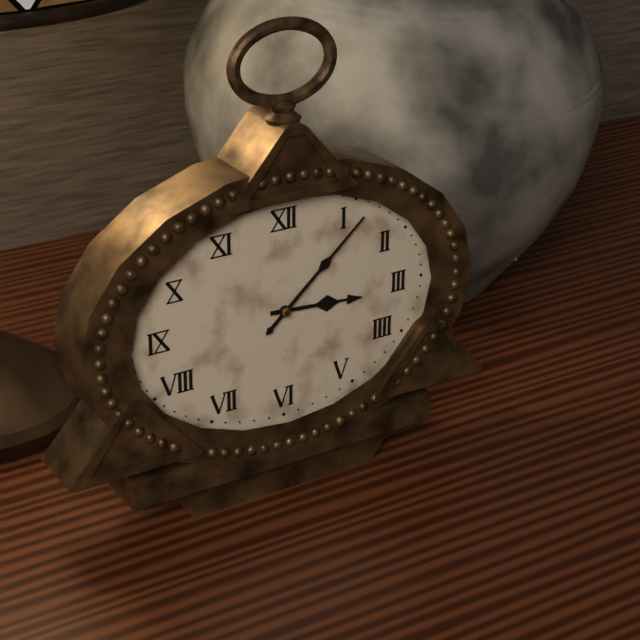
3.08
